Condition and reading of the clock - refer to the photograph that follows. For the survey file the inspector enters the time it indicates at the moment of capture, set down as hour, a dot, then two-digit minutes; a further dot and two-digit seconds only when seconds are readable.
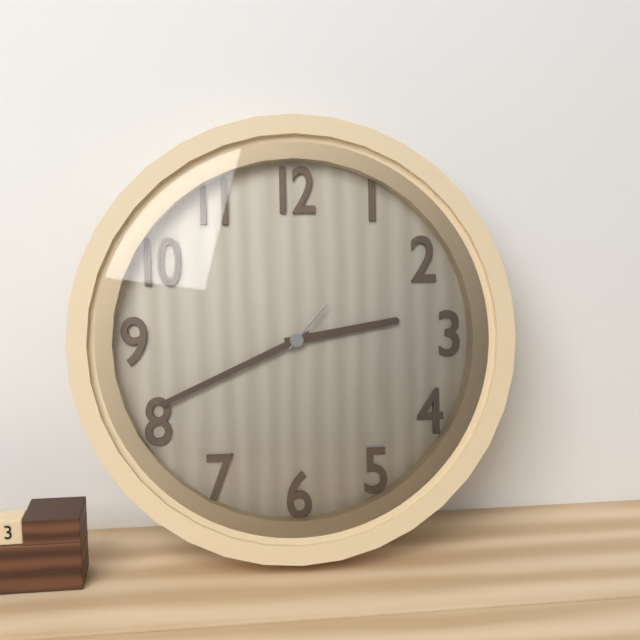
2.41.07
